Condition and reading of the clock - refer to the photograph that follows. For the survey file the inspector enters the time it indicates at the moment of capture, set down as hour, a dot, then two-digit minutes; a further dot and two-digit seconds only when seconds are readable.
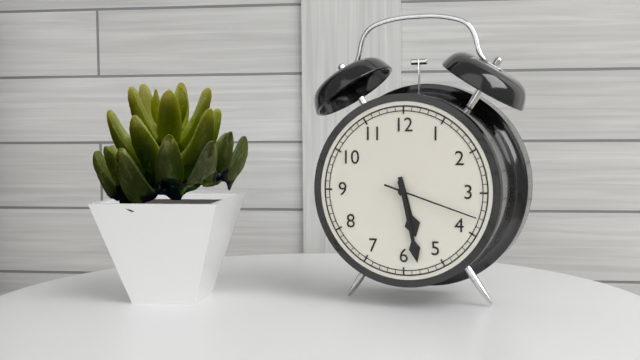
5.28.18
